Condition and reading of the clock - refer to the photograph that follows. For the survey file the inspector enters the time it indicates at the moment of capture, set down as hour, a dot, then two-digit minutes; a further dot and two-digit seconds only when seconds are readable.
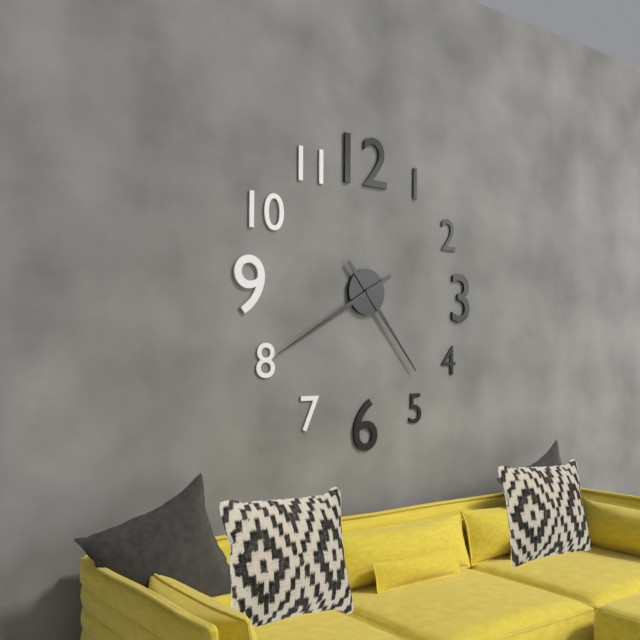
4.40
